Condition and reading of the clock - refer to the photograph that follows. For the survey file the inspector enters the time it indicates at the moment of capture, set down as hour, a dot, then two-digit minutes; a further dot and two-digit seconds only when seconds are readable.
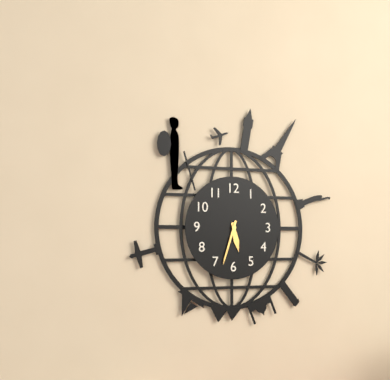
5.33
